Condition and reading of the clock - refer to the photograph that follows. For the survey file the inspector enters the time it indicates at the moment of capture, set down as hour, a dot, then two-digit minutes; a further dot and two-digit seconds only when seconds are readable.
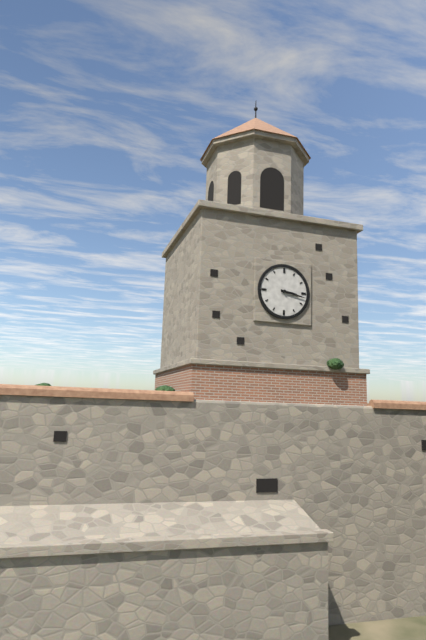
3.17
